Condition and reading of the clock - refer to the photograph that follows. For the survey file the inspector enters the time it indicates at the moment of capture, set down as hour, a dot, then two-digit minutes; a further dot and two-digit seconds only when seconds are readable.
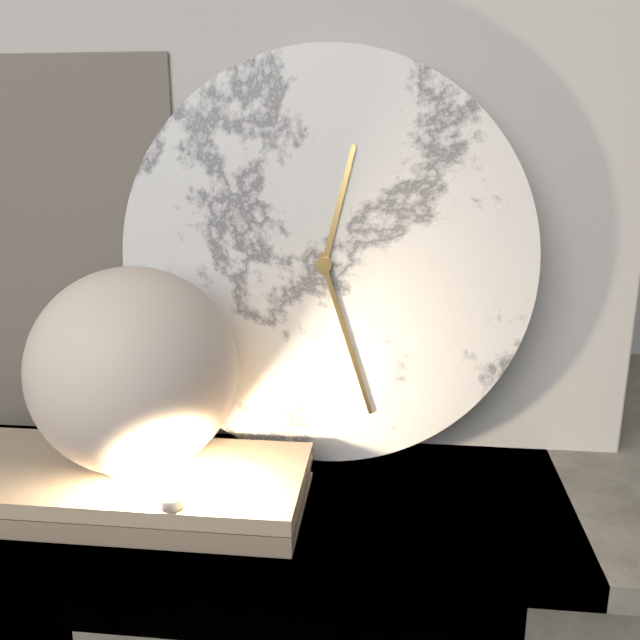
12.27
